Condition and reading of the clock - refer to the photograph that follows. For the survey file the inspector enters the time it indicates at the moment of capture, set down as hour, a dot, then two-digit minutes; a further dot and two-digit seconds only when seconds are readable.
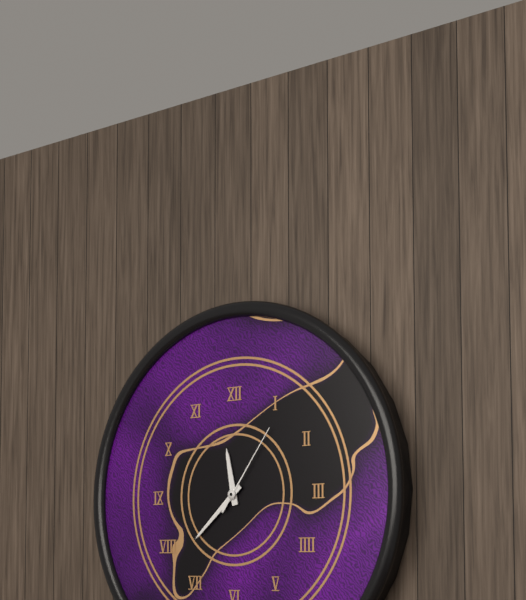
11.38.06
